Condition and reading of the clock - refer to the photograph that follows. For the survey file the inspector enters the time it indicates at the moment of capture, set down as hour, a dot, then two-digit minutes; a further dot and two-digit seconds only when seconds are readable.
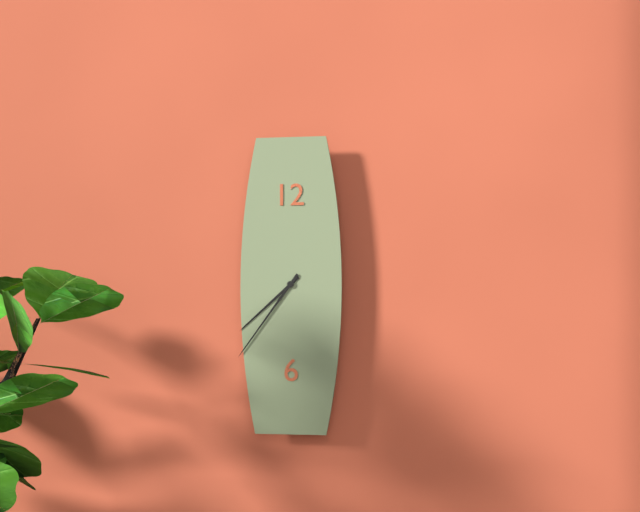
7.36
